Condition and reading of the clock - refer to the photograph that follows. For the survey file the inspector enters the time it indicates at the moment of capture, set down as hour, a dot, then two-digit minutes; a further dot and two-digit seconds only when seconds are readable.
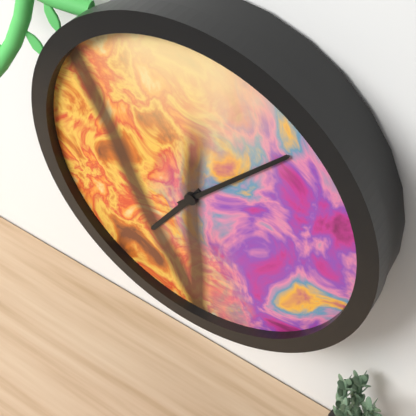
7.07
